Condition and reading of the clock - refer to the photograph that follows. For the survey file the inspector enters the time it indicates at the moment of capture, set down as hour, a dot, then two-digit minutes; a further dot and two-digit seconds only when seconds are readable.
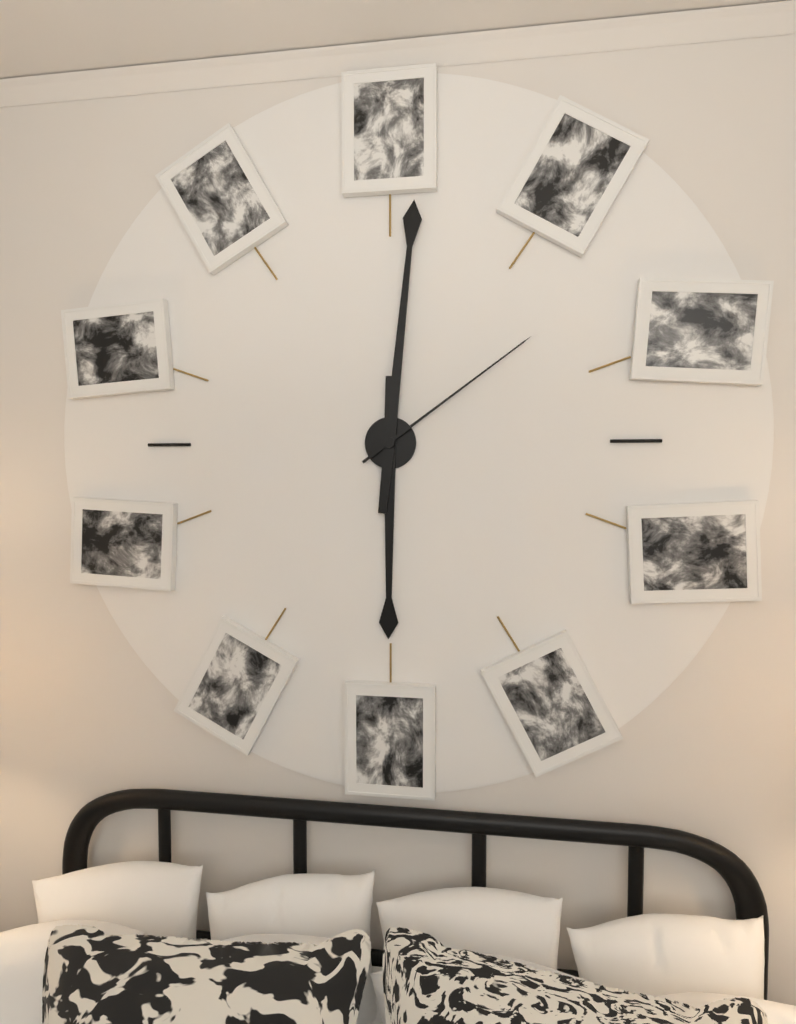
6.01.09
